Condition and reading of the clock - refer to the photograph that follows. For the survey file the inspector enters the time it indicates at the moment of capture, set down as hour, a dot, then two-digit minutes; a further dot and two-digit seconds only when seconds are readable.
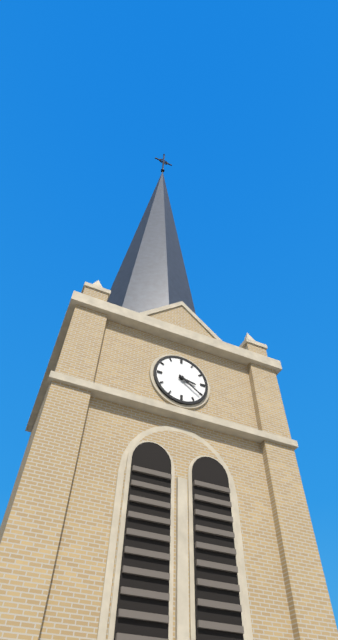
3.21
